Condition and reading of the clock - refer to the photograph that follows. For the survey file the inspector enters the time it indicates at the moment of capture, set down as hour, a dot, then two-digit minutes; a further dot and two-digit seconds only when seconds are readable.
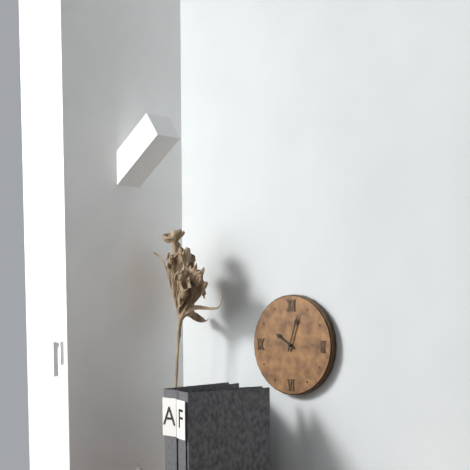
10.03
